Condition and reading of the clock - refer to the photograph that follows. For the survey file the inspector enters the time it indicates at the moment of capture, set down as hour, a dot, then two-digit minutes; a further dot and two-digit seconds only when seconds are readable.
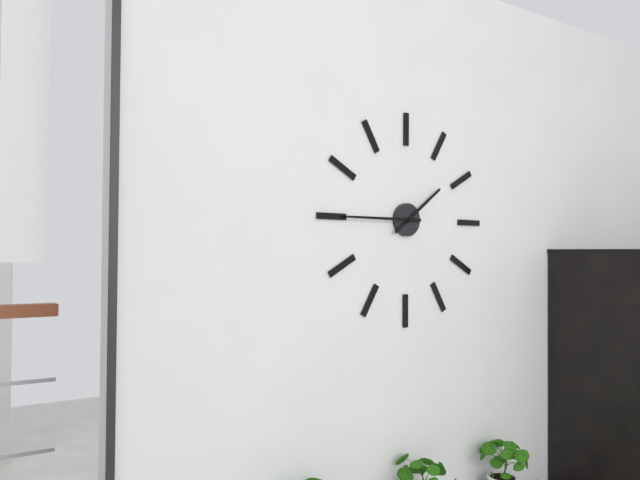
1.45
